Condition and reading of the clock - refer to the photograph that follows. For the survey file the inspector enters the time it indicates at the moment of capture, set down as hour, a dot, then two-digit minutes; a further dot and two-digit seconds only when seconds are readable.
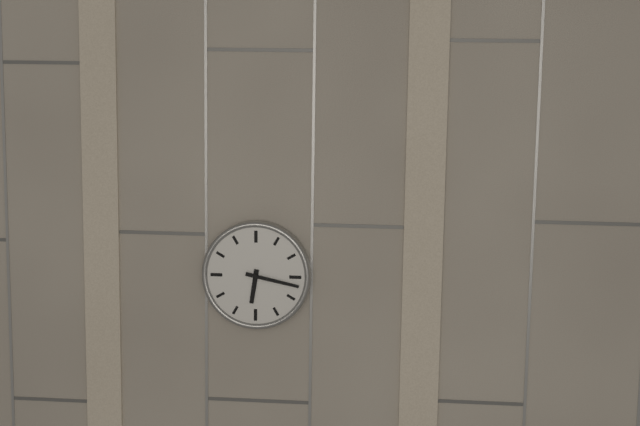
6.17
